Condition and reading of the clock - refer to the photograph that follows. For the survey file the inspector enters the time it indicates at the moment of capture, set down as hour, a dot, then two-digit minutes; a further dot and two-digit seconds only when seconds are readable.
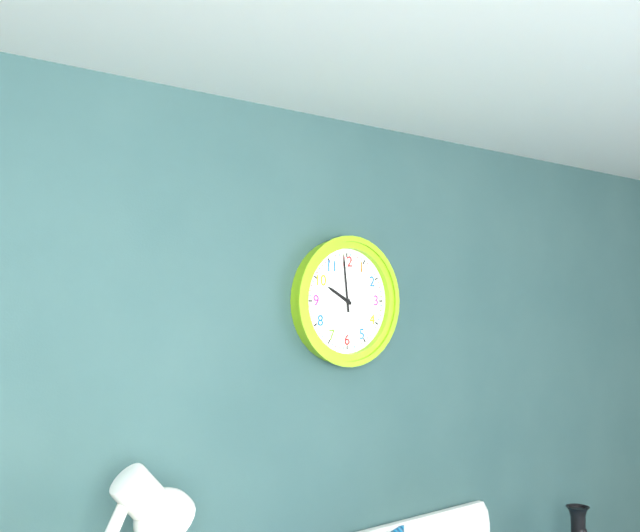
9.59
